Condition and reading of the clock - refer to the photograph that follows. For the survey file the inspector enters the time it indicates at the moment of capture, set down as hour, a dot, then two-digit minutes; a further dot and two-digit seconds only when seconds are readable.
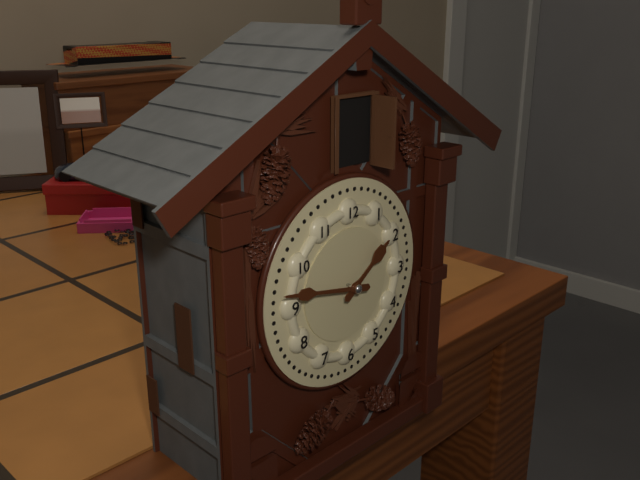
1.47
